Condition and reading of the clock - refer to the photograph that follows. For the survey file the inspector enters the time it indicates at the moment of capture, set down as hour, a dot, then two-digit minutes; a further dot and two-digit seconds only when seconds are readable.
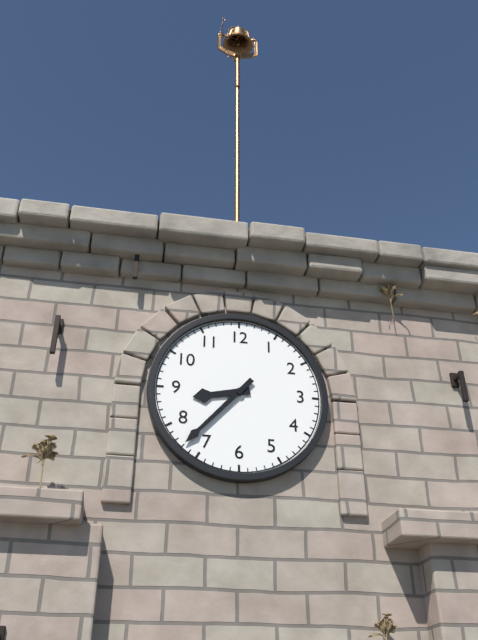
8.37
